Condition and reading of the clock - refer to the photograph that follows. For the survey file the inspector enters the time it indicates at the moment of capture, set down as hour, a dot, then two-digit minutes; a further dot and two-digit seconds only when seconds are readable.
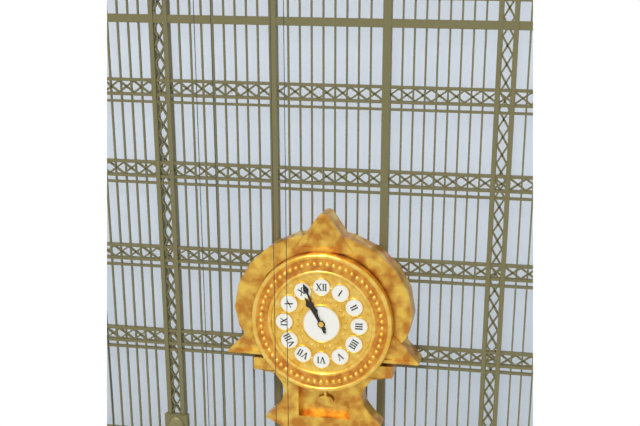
10.56
